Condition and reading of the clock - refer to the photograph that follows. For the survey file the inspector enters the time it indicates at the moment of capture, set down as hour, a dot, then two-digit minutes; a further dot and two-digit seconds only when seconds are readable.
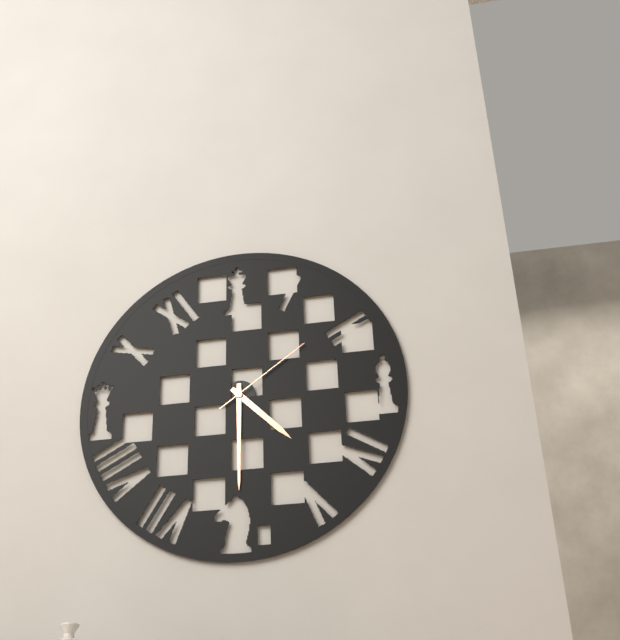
4.30.09
